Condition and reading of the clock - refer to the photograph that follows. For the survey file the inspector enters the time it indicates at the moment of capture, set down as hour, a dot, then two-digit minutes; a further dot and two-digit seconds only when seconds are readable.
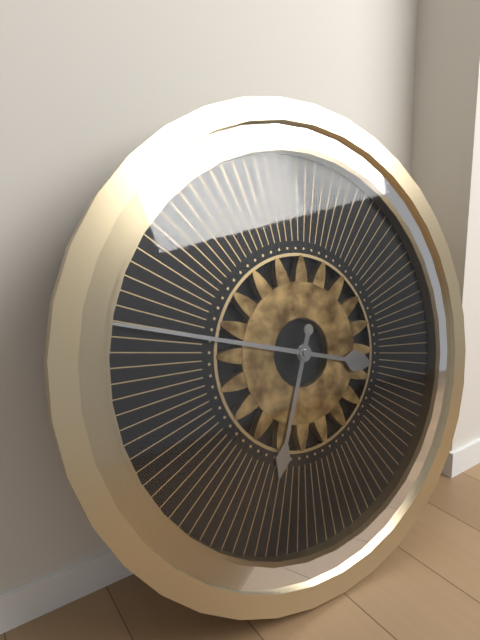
6.48
